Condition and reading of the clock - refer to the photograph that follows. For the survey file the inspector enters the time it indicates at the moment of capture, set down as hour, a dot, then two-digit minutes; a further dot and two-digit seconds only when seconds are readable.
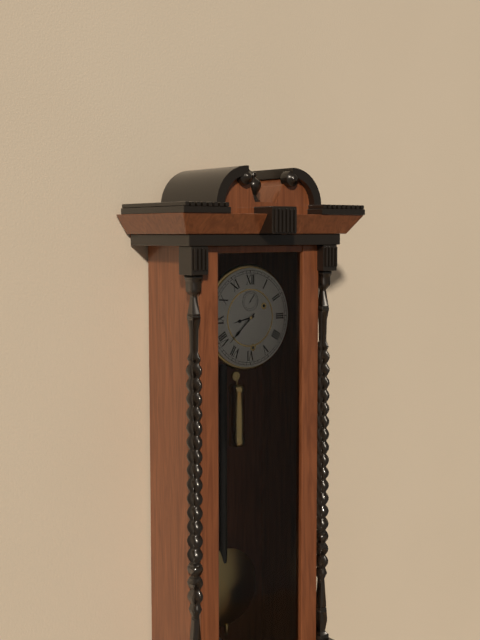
8.38
